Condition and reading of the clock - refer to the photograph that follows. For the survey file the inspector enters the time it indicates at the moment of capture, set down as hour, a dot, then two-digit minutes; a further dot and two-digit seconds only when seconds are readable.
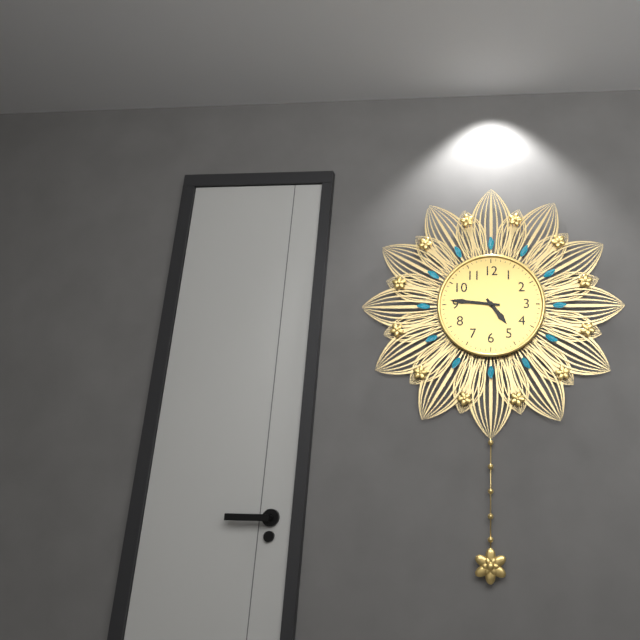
4.46
